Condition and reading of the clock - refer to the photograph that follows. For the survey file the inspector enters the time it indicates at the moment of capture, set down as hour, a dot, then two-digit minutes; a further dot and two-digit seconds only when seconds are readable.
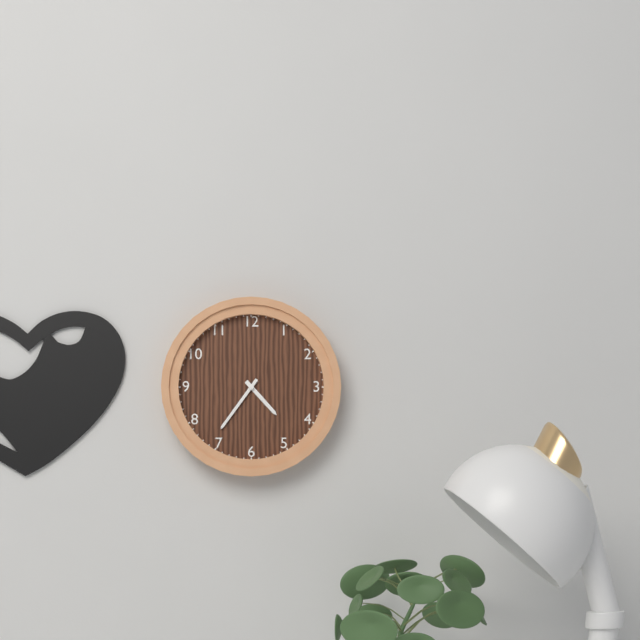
4.36
